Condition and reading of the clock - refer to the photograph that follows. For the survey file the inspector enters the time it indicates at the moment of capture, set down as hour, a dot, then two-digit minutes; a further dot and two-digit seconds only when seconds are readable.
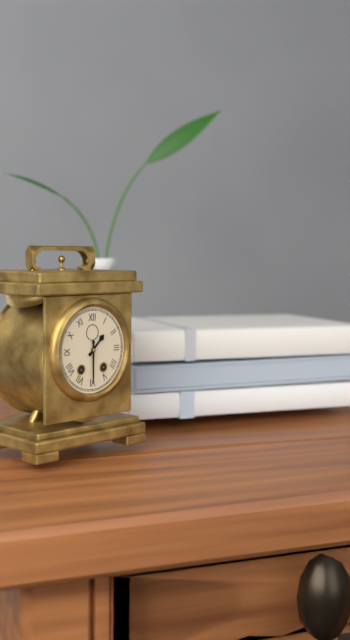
1.30
